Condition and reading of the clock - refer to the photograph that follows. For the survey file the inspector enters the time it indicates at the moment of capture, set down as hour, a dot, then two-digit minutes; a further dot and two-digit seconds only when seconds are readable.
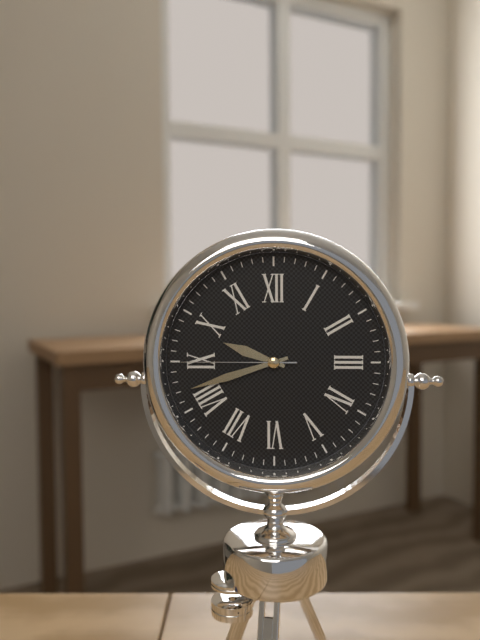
9.42.45
